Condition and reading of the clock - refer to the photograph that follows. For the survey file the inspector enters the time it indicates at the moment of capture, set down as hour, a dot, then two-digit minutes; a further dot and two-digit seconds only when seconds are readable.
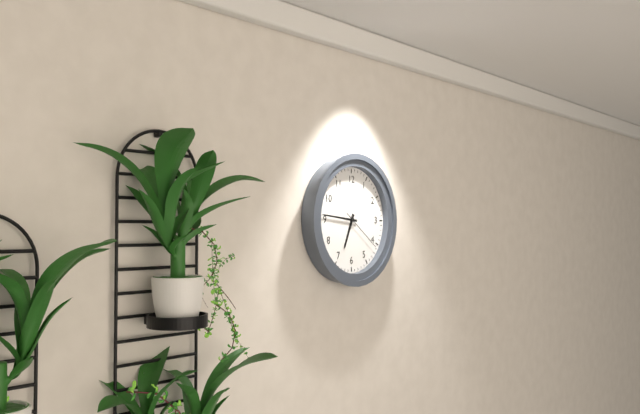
6.46
